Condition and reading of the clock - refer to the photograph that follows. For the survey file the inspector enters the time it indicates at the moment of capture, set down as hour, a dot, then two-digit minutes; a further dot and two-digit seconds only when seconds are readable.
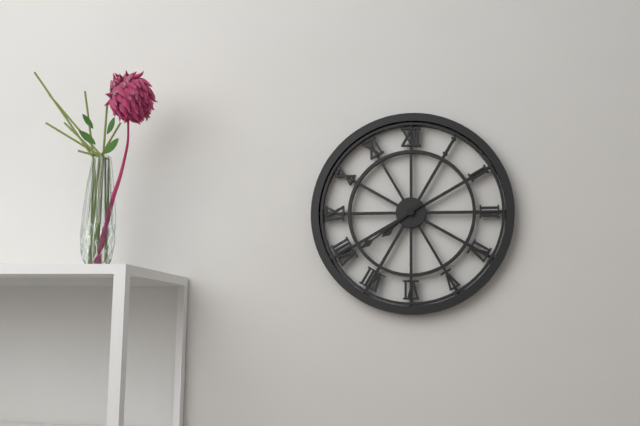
7.39
